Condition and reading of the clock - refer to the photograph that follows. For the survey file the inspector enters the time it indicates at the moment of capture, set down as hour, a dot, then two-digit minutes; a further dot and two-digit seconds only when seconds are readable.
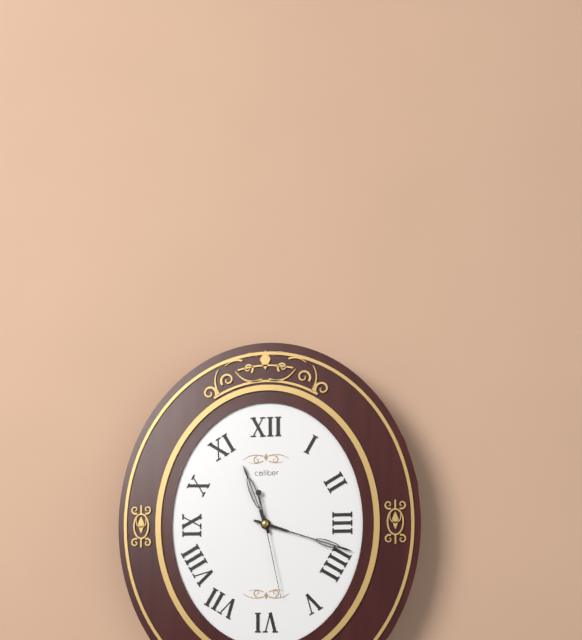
11.18.28
